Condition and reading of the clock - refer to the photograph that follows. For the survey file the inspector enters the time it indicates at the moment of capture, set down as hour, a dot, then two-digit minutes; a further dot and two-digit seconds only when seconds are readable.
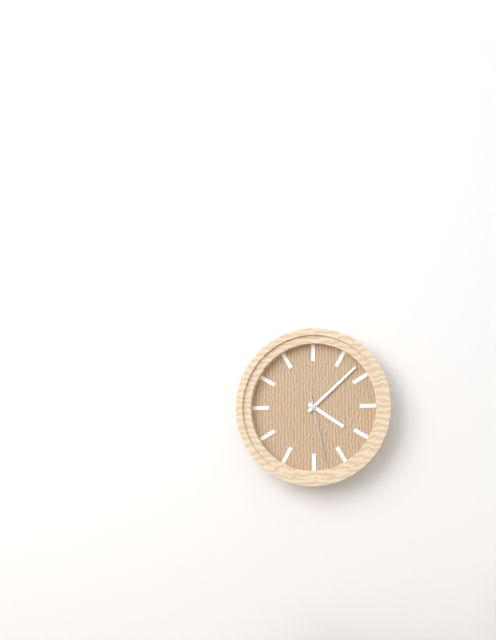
4.08.28
